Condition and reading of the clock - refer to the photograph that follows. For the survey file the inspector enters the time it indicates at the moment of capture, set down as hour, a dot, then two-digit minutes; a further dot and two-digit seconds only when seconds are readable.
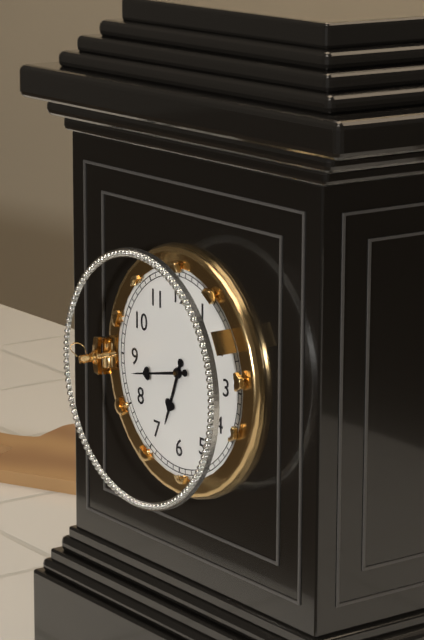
6.43
